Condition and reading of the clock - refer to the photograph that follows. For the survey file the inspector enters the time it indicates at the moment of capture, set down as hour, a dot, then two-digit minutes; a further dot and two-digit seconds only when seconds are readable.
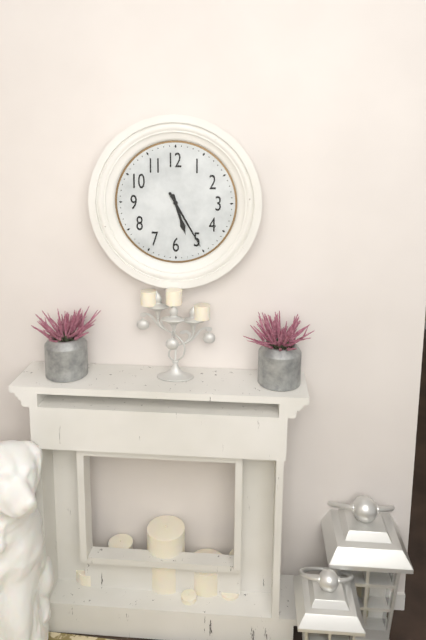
5.25
